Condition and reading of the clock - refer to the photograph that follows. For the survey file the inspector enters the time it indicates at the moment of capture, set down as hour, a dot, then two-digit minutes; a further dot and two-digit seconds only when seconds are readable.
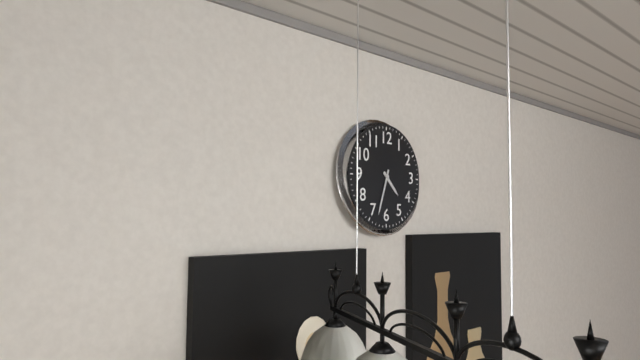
4.33
